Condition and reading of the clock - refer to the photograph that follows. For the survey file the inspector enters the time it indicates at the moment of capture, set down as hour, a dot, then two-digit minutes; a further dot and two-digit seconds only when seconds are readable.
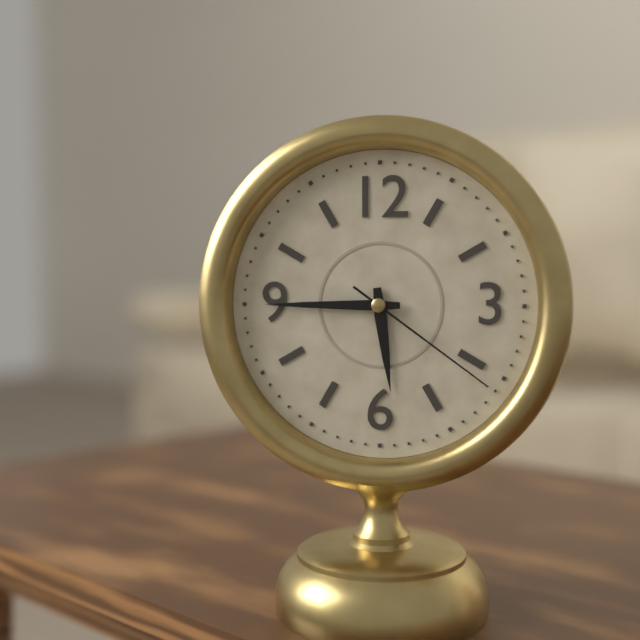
5.45.21
